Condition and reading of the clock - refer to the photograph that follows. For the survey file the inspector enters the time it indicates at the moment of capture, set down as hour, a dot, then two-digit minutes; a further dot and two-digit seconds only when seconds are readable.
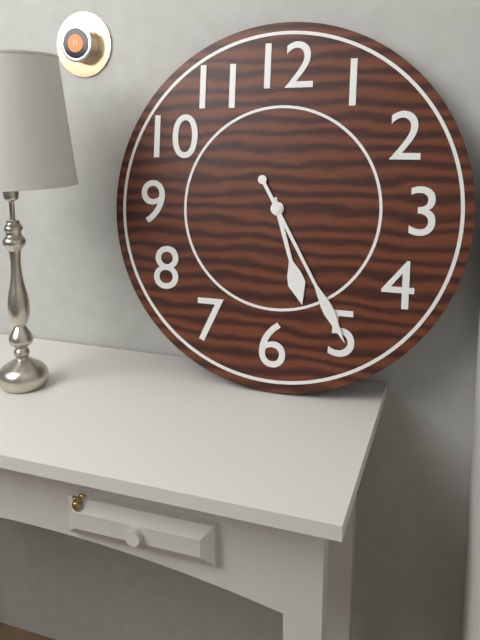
5.25
